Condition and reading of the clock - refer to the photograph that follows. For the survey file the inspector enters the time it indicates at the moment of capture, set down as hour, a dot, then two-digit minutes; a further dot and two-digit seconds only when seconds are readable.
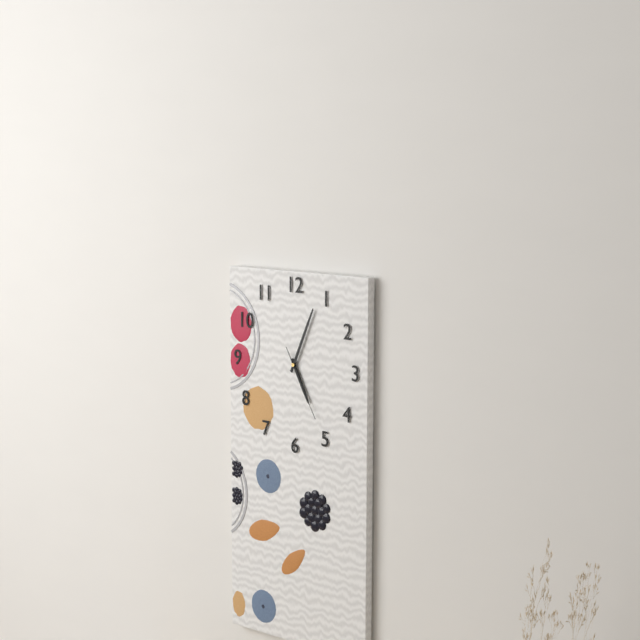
5.04.25
